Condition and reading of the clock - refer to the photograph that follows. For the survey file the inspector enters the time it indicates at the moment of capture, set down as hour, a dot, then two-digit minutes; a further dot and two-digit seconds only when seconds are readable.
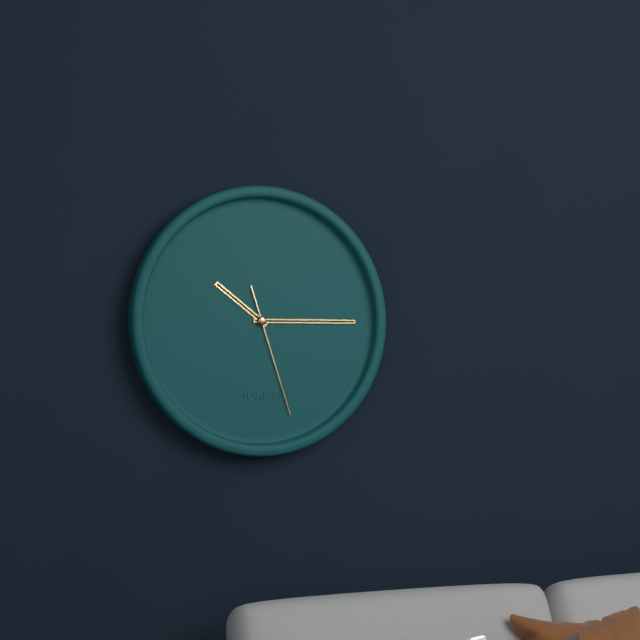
10.15.27
